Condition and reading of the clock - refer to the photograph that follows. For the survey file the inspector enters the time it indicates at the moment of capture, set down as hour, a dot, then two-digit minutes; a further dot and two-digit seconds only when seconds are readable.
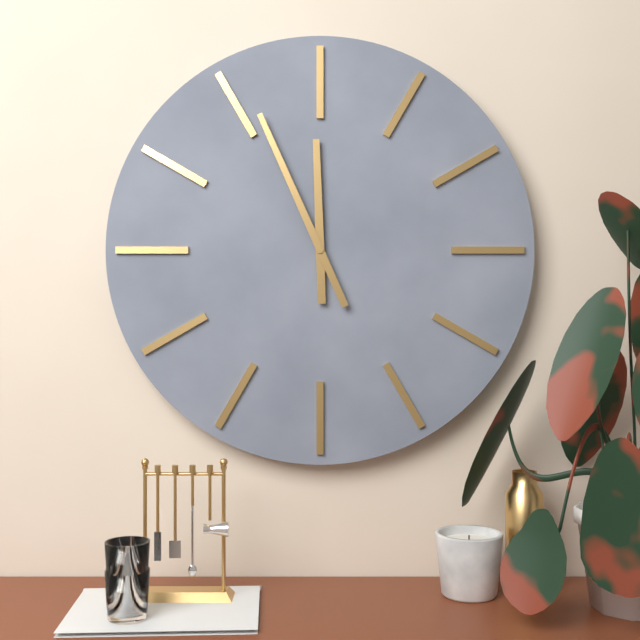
11.56
